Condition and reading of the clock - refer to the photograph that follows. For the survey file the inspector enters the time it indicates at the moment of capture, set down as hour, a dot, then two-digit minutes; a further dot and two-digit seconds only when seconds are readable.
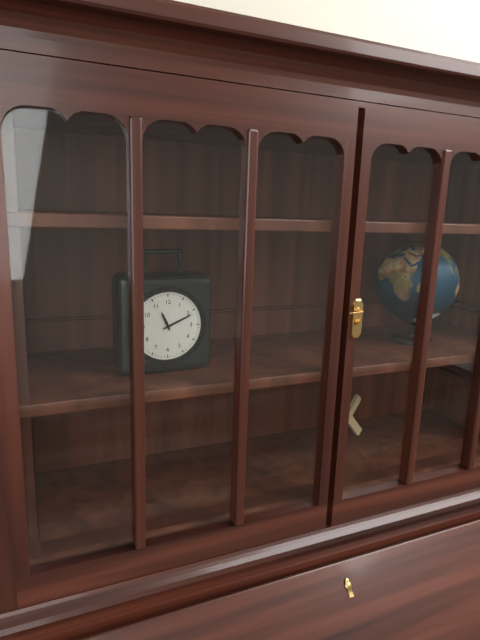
11.11
